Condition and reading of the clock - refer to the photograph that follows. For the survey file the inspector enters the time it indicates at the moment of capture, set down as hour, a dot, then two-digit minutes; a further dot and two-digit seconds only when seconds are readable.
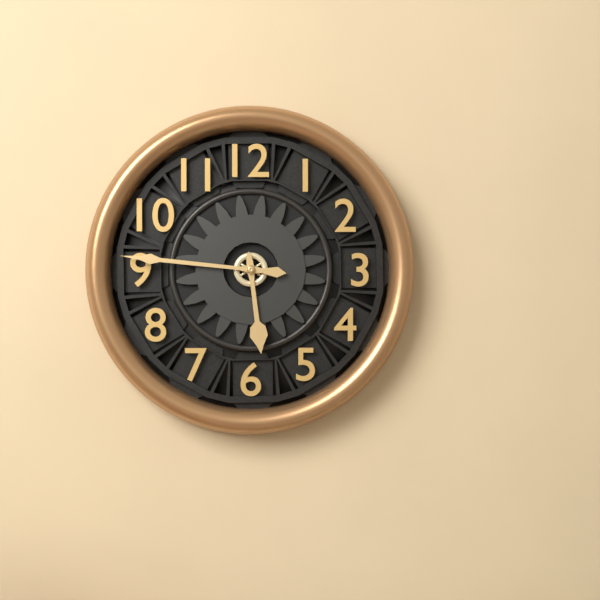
5.46
